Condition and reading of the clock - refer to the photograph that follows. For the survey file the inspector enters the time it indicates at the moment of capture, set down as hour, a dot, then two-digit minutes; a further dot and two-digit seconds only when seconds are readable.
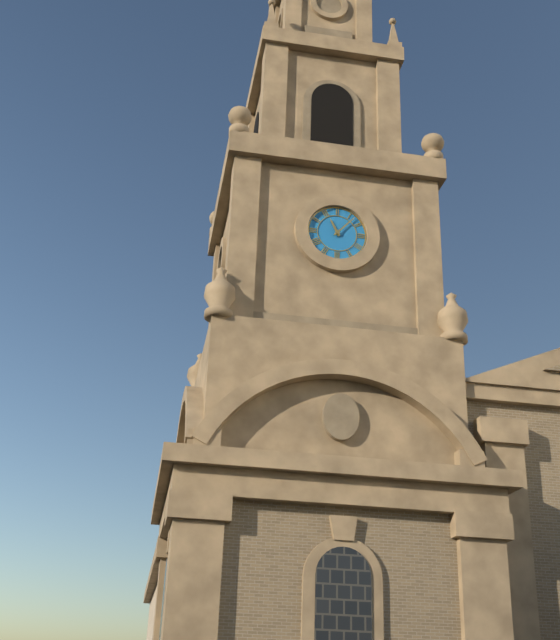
11.07
